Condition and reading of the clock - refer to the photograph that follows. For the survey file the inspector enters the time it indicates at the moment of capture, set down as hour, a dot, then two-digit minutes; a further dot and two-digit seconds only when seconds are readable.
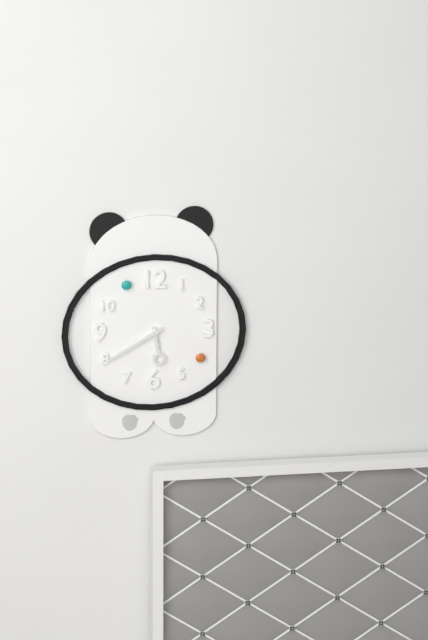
5.40
